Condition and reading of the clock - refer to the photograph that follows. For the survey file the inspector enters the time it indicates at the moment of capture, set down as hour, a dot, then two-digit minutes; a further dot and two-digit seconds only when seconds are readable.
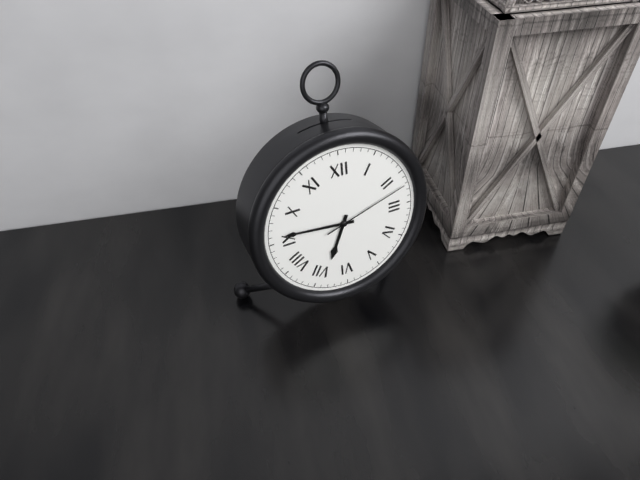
6.46.12
